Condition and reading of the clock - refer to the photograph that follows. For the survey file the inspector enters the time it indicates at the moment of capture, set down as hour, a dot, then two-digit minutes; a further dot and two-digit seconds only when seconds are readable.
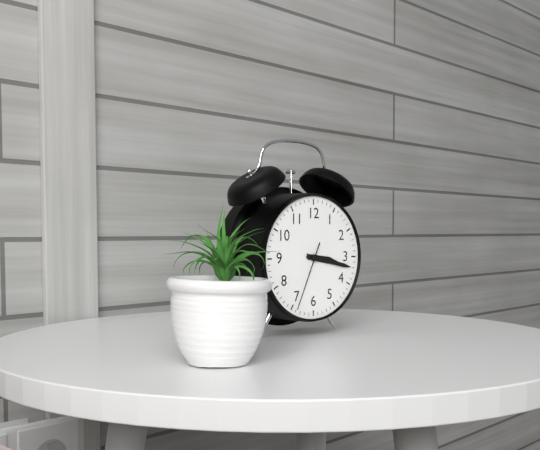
3.17.34
